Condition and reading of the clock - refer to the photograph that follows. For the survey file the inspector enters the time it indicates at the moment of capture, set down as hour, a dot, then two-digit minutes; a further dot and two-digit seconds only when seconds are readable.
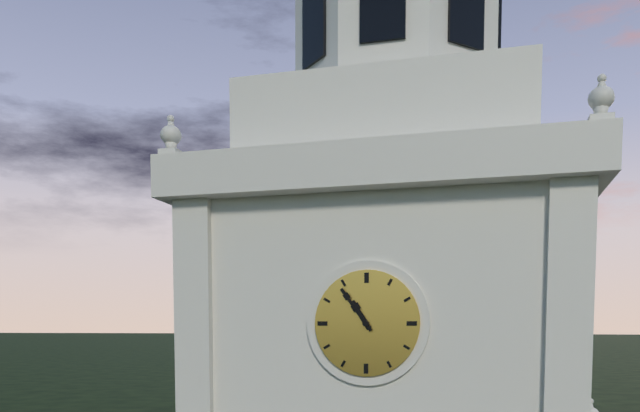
10.54
